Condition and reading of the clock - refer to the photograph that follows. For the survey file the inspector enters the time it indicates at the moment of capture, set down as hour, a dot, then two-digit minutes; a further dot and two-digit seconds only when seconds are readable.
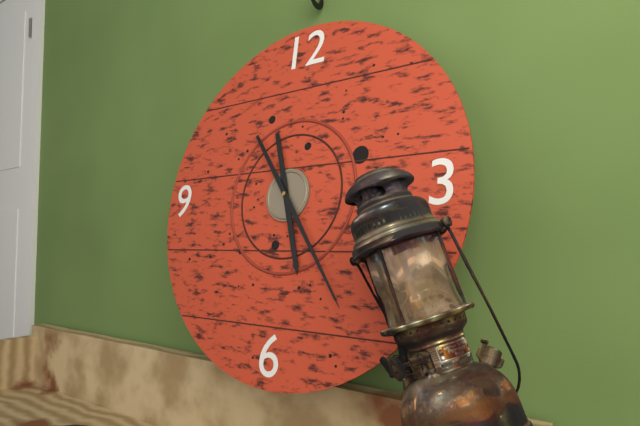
5.24
